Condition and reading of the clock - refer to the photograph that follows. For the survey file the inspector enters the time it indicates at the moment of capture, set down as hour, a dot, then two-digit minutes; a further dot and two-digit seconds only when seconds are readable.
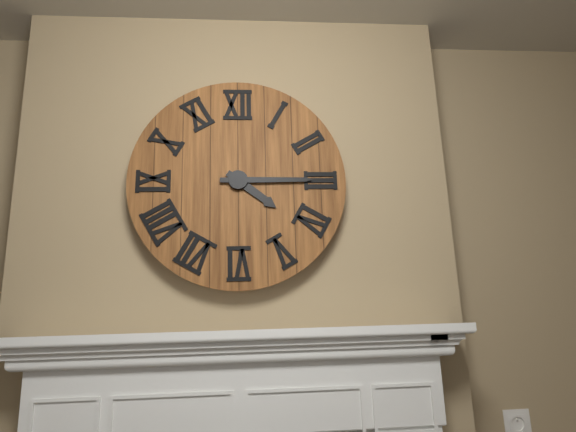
4.15
